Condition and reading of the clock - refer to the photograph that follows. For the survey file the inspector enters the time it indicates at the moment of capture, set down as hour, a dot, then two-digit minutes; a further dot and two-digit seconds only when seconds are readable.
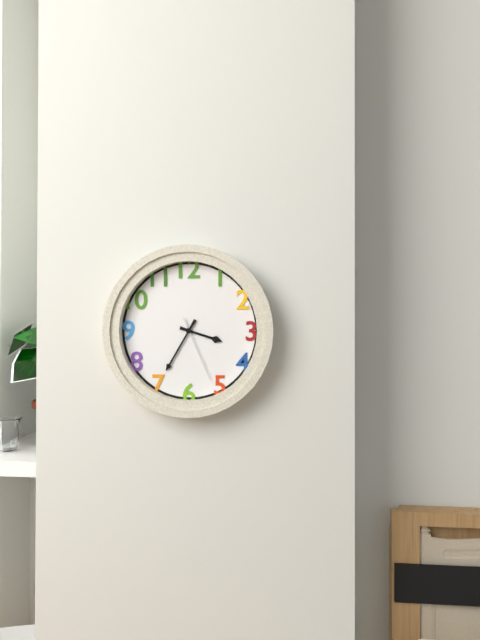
3.35.26
